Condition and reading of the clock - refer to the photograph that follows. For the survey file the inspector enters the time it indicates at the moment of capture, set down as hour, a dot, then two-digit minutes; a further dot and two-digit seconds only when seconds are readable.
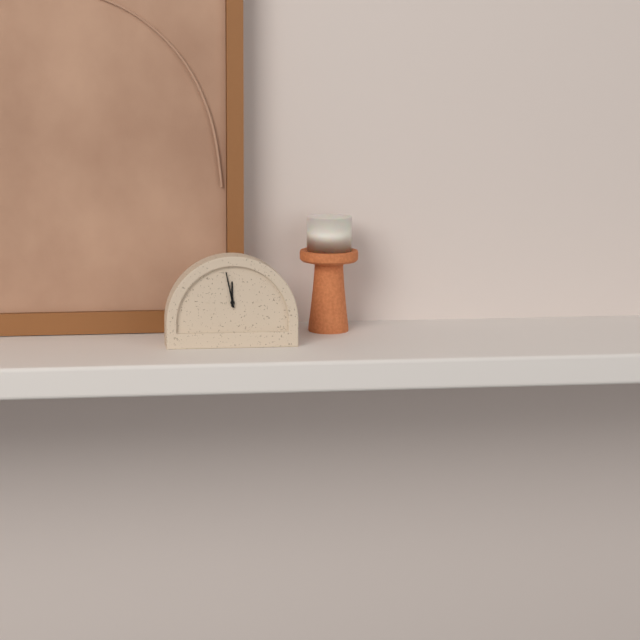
11.58
